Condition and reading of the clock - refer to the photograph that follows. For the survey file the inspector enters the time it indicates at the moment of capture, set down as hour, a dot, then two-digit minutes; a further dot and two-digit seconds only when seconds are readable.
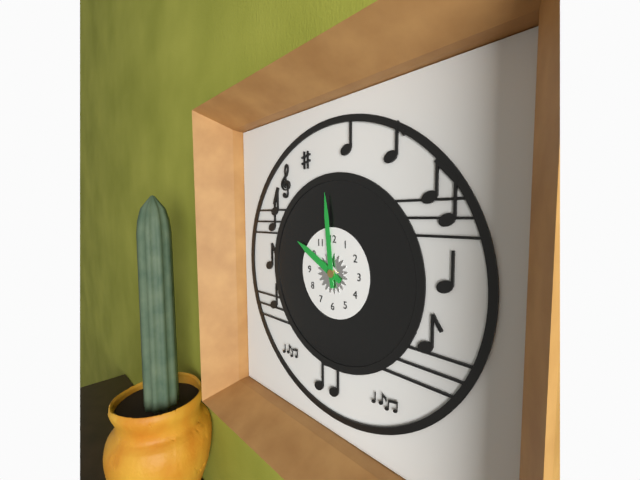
9.59
